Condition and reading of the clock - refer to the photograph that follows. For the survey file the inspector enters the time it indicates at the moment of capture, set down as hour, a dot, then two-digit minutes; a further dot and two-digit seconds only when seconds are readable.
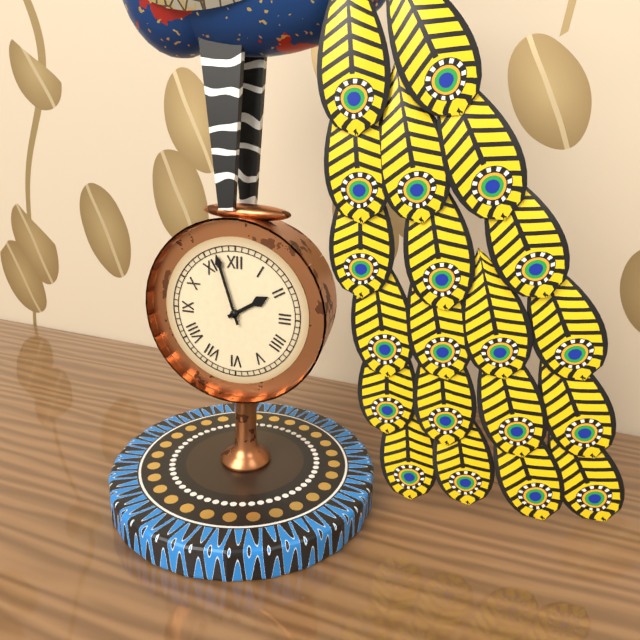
1.57
